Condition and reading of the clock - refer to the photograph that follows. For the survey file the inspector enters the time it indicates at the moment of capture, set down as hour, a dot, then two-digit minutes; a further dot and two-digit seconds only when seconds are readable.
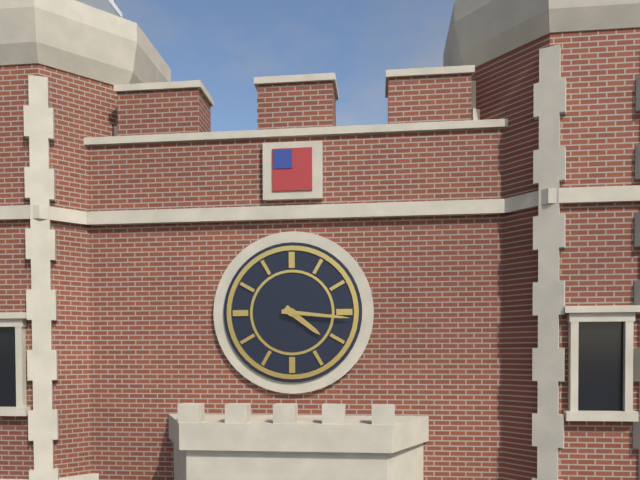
4.16
